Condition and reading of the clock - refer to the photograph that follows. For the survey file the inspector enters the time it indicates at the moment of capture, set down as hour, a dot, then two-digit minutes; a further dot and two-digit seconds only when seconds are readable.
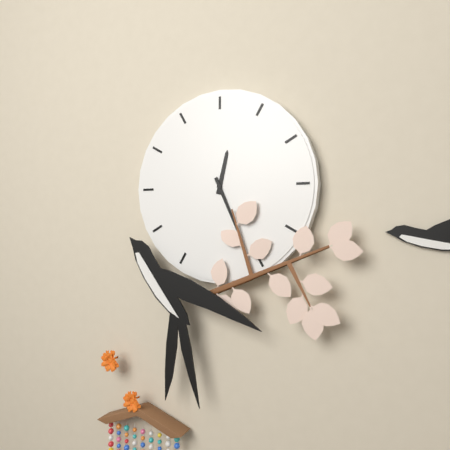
12.26
